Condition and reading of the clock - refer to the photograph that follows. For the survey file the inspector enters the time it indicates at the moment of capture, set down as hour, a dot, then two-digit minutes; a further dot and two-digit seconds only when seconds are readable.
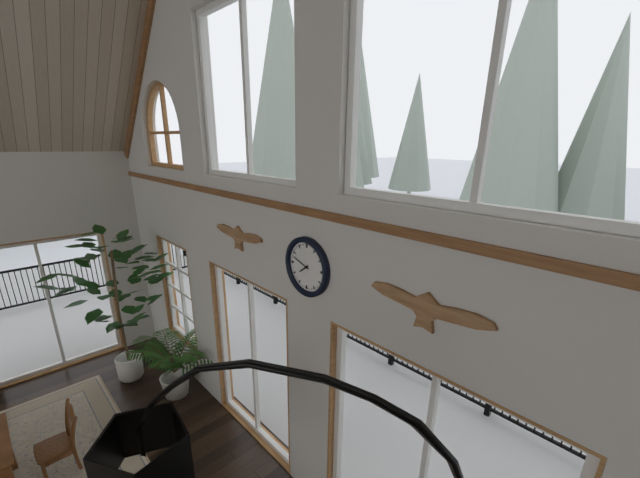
7.48
